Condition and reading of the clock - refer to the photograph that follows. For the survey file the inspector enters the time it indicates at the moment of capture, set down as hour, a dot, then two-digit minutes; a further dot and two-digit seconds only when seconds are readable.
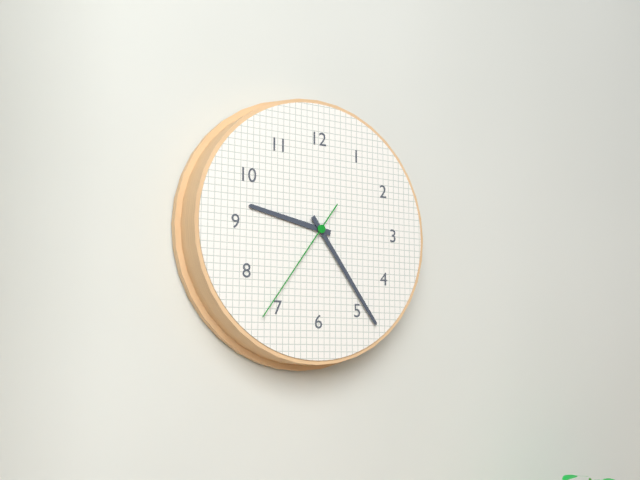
9.24.36
